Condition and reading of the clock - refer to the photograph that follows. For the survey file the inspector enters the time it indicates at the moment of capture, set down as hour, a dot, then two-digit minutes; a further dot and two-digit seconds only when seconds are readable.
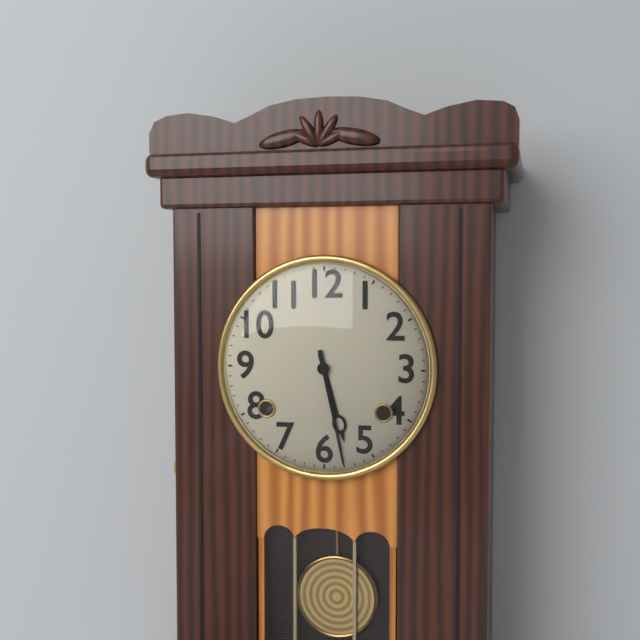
5.28
